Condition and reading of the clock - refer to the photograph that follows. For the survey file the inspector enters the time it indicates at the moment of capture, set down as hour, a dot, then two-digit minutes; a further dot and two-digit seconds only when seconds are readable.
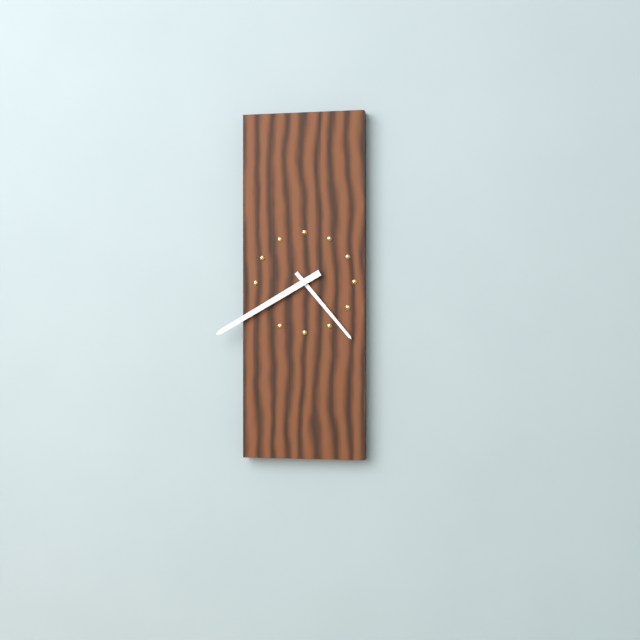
4.40
